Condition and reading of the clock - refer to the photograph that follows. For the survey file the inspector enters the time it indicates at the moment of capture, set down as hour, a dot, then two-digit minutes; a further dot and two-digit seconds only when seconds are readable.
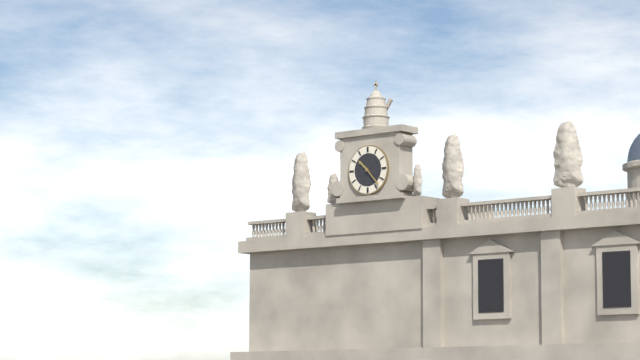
10.23
